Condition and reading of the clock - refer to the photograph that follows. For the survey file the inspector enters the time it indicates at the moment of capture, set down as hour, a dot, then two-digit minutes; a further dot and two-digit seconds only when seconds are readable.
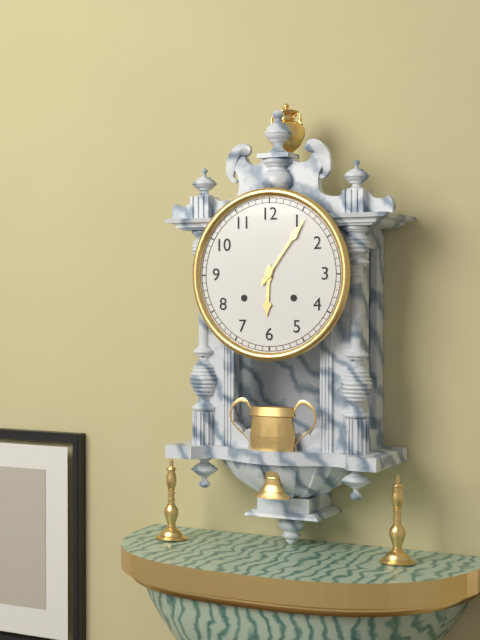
6.06
